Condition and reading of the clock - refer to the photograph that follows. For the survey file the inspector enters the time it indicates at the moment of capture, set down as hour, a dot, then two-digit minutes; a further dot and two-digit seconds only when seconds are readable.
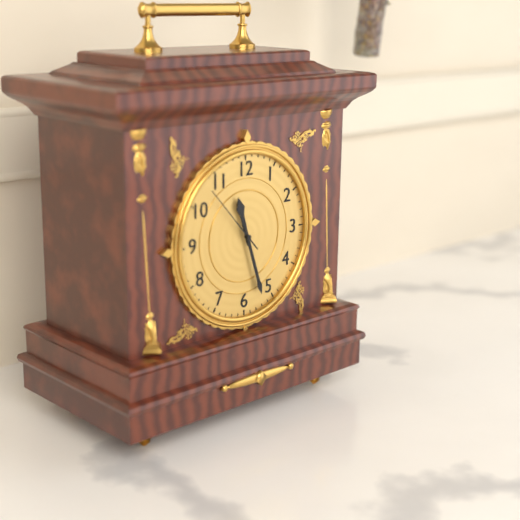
11.27
